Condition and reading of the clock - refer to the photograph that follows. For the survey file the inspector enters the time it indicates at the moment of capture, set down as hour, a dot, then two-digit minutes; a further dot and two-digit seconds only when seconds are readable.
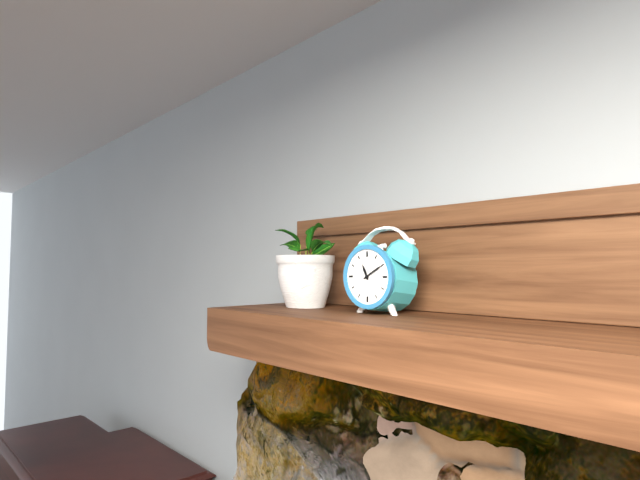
11.10
